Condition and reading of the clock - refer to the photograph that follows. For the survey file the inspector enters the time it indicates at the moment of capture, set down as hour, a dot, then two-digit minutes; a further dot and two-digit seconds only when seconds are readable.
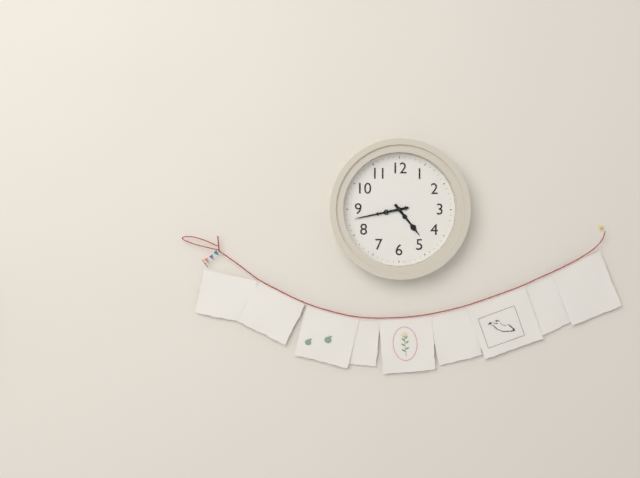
4.43
